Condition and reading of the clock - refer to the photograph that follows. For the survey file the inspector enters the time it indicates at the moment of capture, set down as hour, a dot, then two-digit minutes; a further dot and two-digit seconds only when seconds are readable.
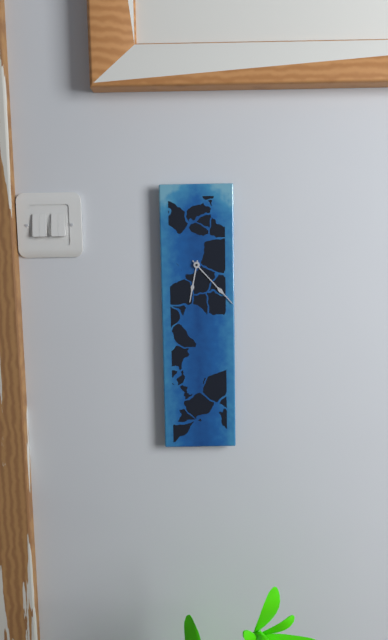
6.23
